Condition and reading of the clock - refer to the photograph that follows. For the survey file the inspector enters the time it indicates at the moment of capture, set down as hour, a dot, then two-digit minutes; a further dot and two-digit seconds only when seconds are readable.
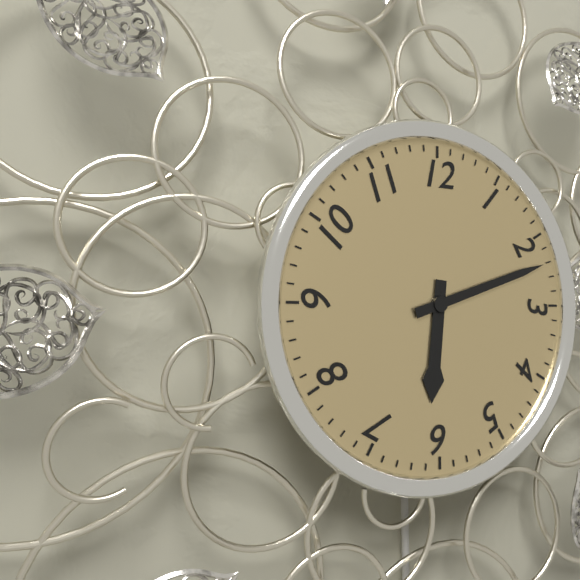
6.12
